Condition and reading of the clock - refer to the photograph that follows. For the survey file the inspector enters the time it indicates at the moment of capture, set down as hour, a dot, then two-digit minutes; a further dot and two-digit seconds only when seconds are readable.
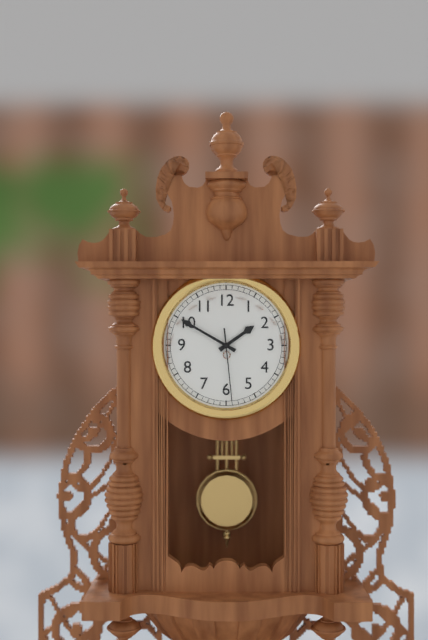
1.50.29
